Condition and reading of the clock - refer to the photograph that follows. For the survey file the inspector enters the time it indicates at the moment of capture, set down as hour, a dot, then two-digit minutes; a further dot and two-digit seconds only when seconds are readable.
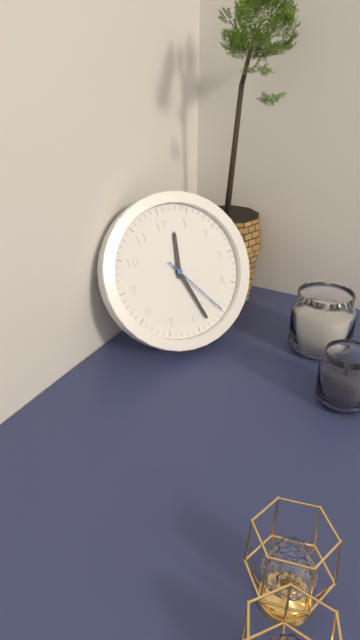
12.28.25
